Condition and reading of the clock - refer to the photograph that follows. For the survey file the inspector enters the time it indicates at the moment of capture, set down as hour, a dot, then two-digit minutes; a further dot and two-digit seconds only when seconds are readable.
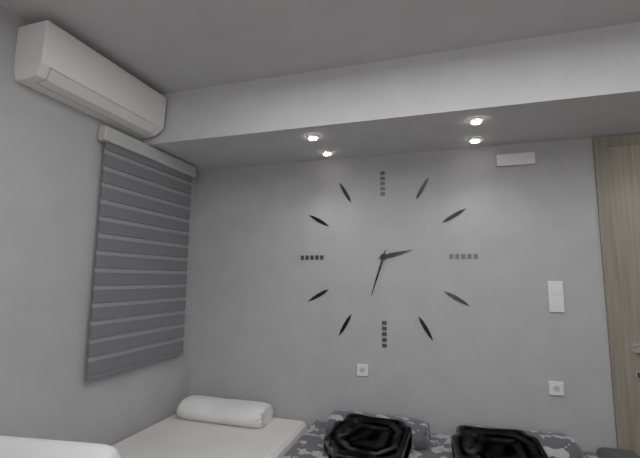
2.33
